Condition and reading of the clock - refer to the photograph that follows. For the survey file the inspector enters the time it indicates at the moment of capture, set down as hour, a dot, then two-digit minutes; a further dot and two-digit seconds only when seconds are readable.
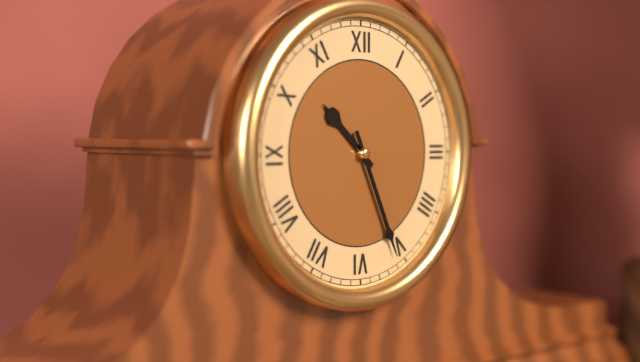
10.26
